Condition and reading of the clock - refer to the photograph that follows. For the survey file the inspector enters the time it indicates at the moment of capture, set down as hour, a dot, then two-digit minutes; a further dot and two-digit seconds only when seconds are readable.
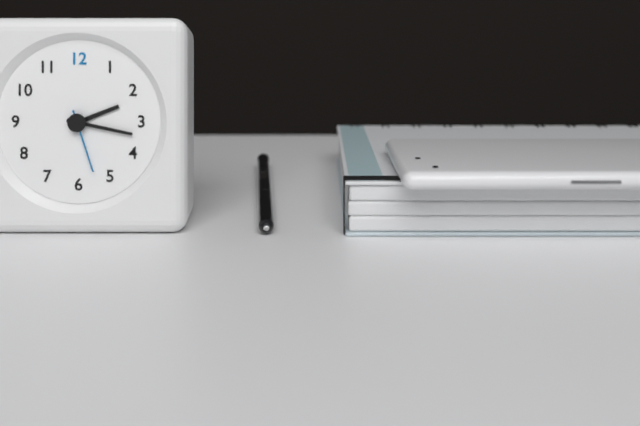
2.17.27
